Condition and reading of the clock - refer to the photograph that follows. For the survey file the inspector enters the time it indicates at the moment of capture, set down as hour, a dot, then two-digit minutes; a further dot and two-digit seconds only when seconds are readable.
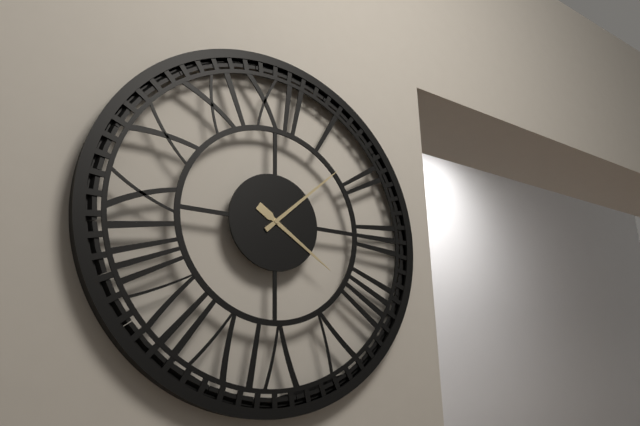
4.08
